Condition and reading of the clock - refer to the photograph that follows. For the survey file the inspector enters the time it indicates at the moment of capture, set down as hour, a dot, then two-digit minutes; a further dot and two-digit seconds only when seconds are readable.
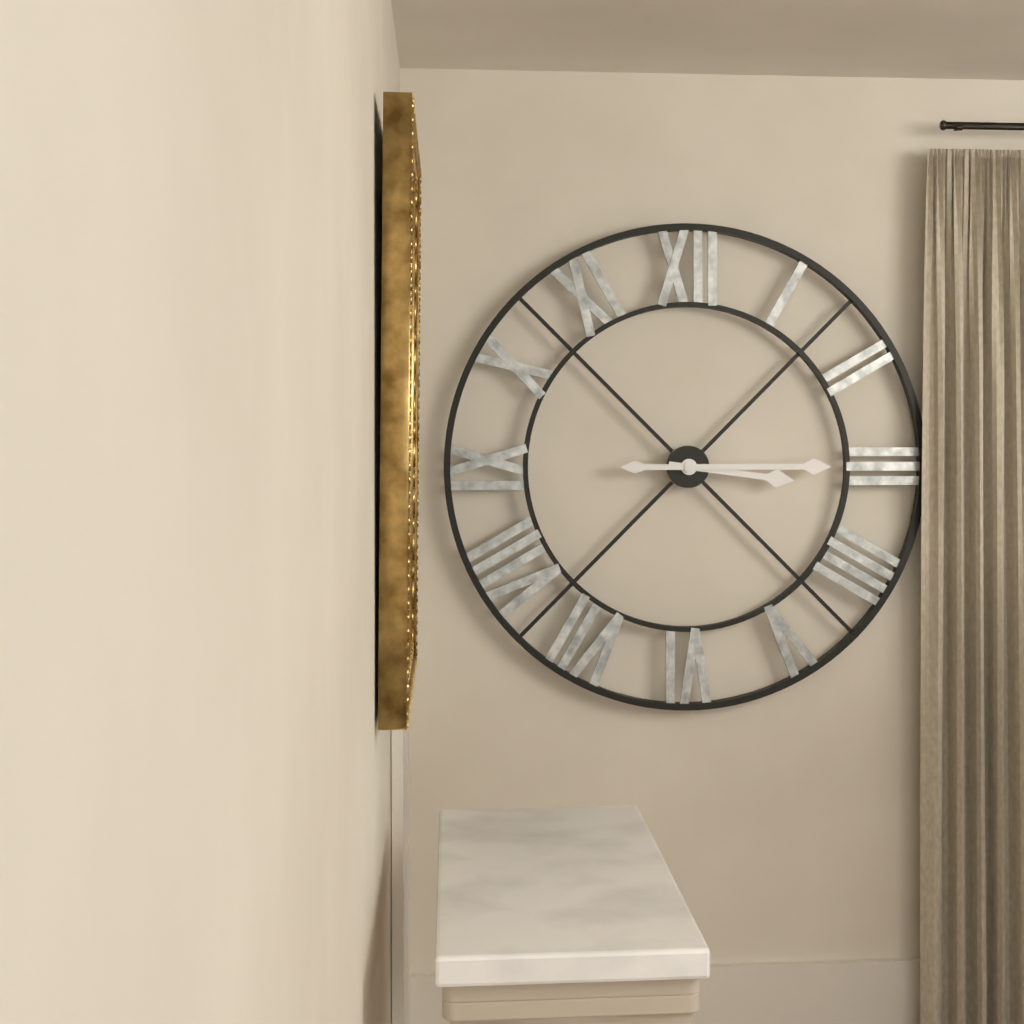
3.15
